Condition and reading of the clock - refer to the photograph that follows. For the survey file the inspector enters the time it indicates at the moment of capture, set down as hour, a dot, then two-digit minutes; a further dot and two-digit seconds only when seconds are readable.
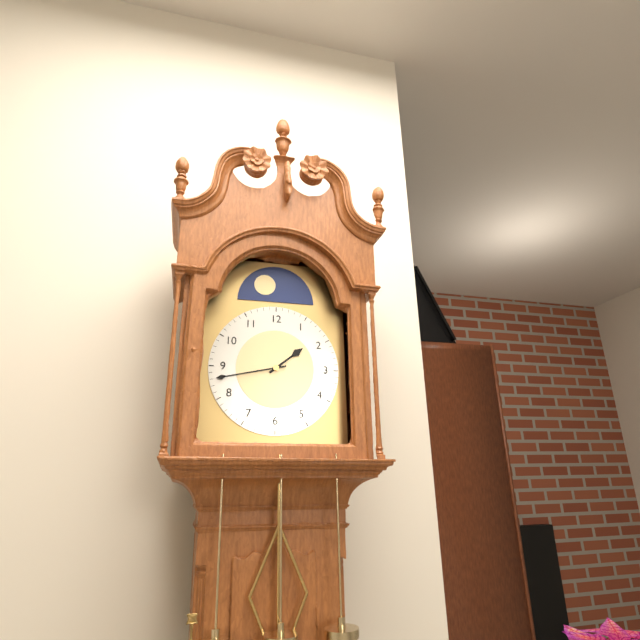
1.43
